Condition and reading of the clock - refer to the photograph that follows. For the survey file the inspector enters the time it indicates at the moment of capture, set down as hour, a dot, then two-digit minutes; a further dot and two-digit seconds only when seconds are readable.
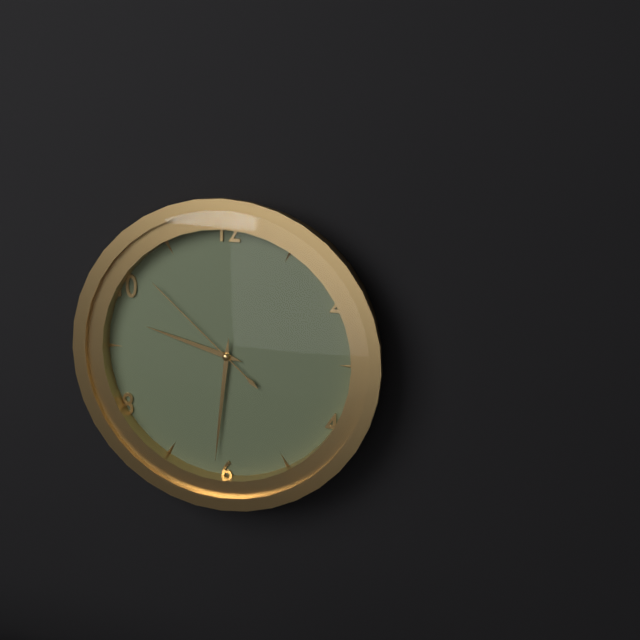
9.31.52
